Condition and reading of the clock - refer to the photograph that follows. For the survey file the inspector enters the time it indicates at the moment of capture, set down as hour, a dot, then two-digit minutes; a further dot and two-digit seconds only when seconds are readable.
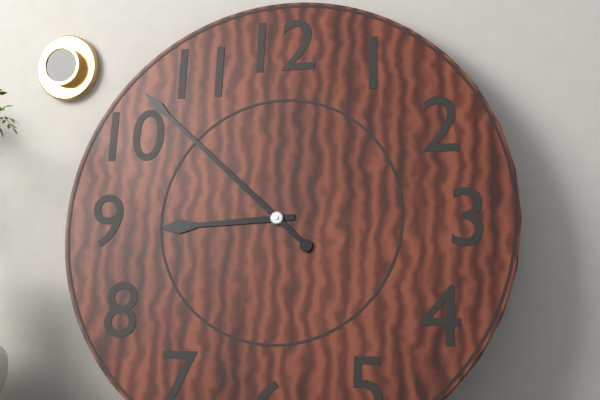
8.52
